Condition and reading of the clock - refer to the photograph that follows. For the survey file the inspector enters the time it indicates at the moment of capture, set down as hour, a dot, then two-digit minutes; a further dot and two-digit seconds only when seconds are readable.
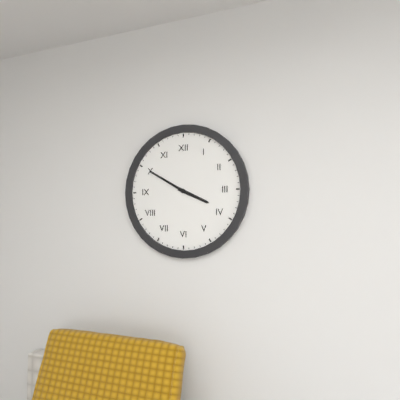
3.50
